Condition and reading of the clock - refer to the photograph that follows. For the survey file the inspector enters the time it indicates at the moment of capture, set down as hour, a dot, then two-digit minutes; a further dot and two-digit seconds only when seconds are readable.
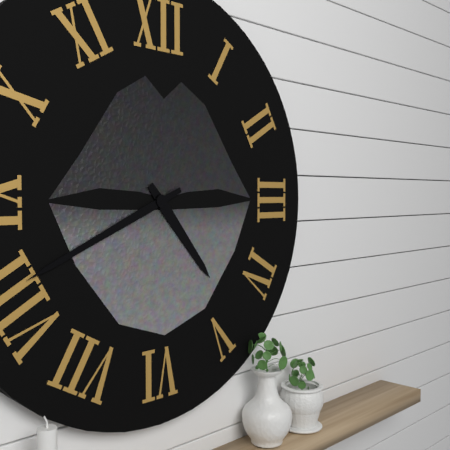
4.41
